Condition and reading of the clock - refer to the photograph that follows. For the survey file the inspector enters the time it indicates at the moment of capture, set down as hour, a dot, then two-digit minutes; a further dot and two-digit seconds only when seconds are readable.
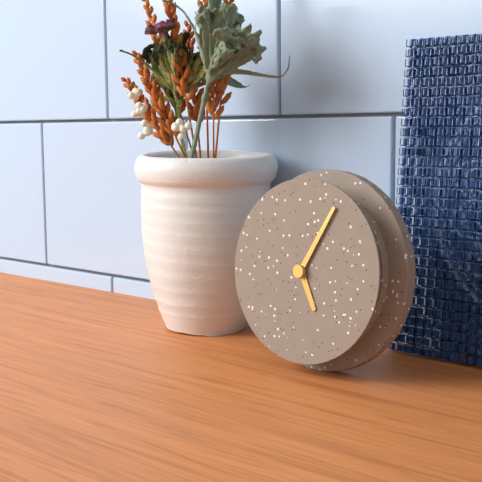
5.05
